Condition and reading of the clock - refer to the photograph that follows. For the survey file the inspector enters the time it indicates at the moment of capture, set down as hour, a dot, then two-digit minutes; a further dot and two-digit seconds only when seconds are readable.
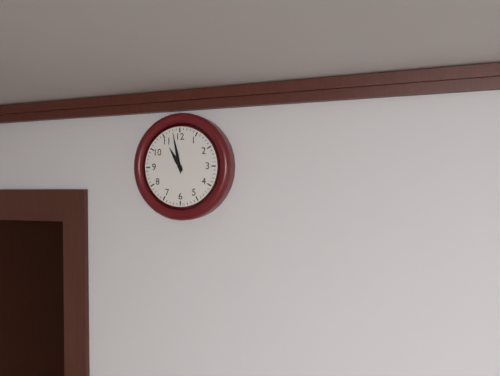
10.58
